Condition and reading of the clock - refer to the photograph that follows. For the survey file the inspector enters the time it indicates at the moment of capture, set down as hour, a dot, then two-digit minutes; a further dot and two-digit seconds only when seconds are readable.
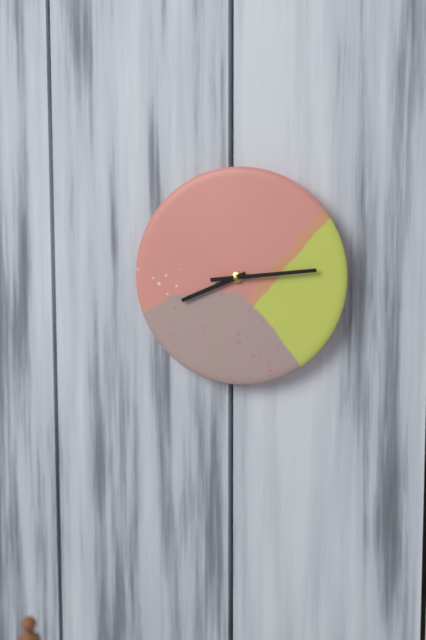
8.14
